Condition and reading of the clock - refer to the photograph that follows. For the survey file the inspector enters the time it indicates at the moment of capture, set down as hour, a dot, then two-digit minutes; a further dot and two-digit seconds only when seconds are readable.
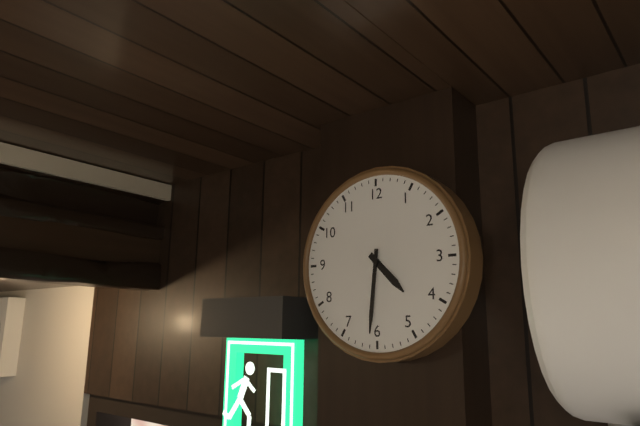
4.31
